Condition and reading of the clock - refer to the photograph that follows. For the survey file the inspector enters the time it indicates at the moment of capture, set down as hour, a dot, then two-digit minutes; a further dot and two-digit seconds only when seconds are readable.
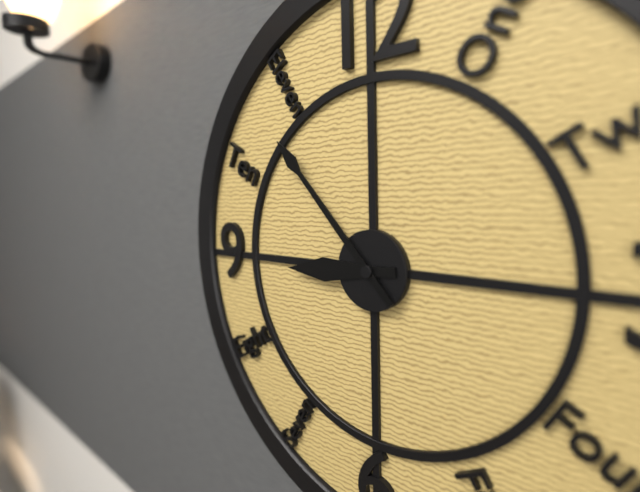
8.53
